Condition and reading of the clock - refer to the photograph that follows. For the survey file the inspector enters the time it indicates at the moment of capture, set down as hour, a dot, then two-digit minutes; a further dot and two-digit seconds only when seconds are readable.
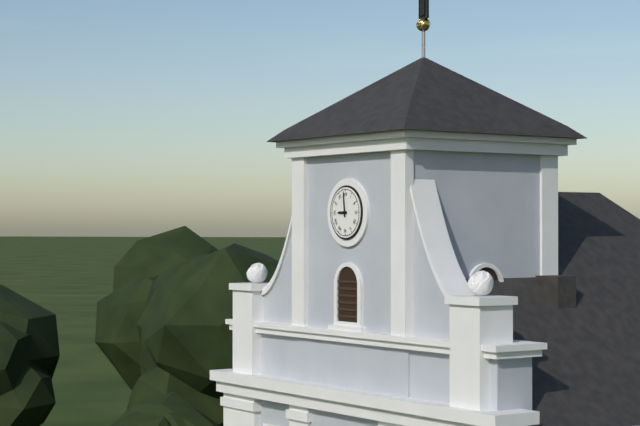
8.59
